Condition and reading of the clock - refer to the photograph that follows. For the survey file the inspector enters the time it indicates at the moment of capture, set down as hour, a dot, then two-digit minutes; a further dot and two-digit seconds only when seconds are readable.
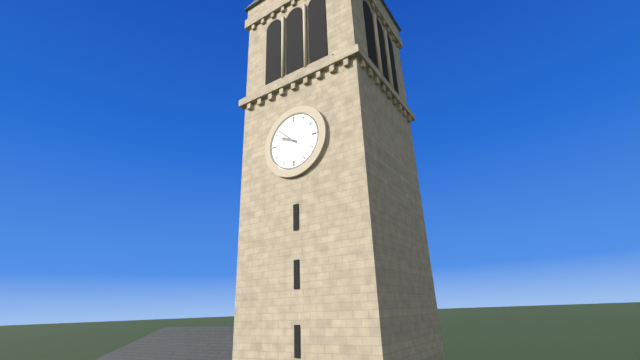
9.52
